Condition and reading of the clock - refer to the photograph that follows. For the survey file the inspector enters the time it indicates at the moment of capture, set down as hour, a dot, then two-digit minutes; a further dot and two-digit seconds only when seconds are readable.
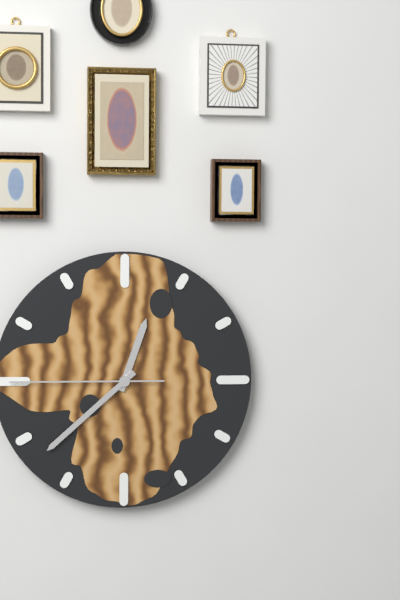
12.38.45
